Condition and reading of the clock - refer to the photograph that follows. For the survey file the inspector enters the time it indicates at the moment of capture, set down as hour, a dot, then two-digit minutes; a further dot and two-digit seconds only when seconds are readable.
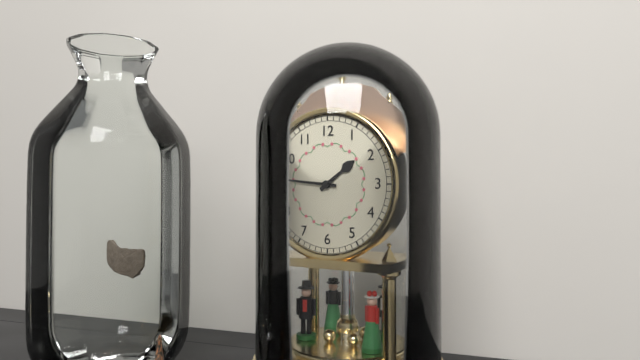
1.46
